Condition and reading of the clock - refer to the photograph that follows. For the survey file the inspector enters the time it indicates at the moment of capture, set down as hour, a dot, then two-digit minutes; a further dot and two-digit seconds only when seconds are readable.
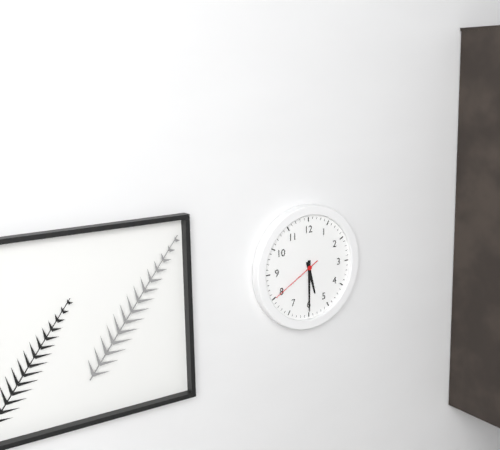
5.30.40
